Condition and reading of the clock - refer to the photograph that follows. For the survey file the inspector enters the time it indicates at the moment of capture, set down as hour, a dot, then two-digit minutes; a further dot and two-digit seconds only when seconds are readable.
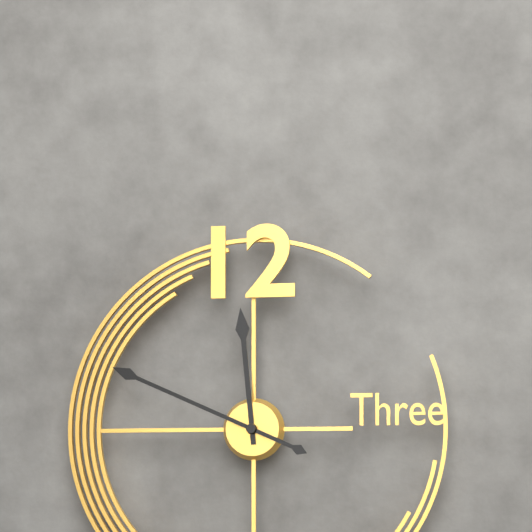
11.49
